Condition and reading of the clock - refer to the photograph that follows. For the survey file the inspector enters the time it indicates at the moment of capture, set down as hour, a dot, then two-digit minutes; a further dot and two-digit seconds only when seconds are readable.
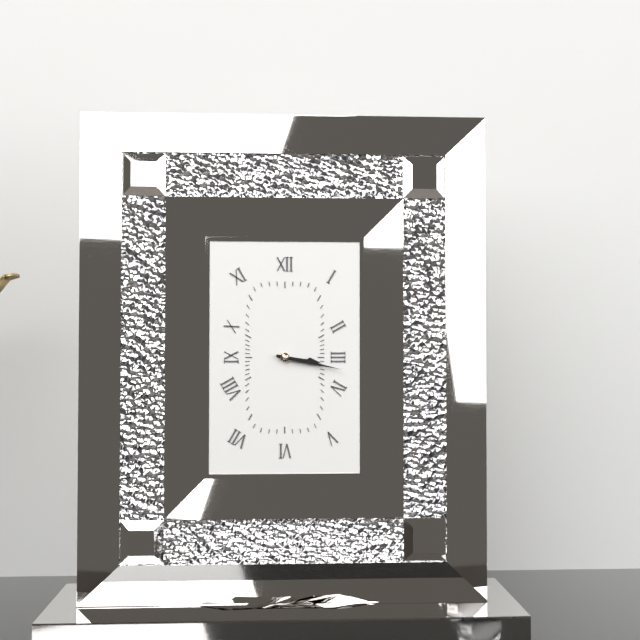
3.17
